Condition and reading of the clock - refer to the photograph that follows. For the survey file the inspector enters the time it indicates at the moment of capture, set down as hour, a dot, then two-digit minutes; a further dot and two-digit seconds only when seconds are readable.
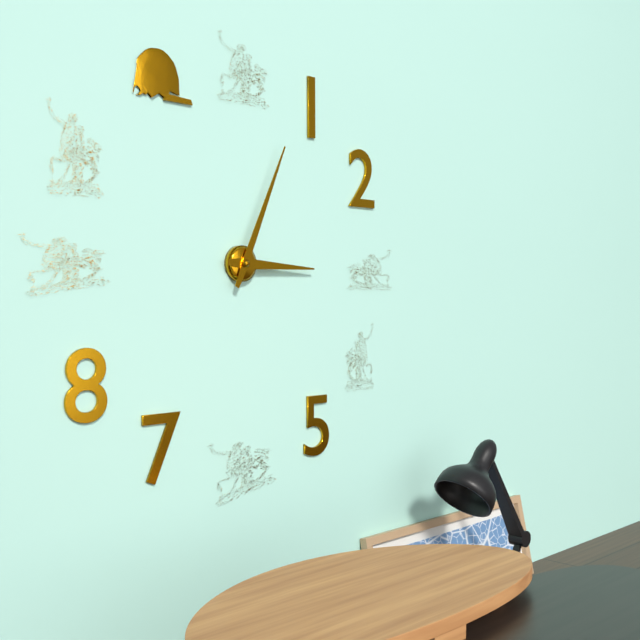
3.04
